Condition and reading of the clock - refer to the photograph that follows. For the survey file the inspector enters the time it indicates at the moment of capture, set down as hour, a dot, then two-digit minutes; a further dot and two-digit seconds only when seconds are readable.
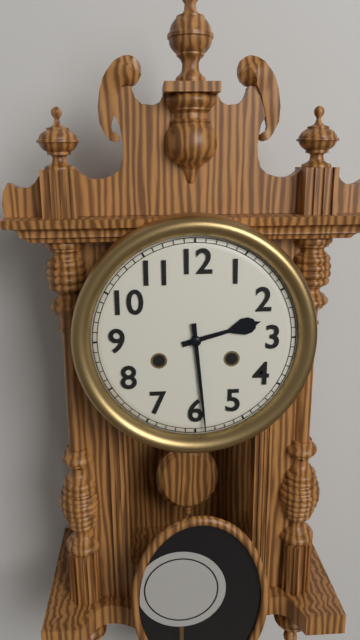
2.29
